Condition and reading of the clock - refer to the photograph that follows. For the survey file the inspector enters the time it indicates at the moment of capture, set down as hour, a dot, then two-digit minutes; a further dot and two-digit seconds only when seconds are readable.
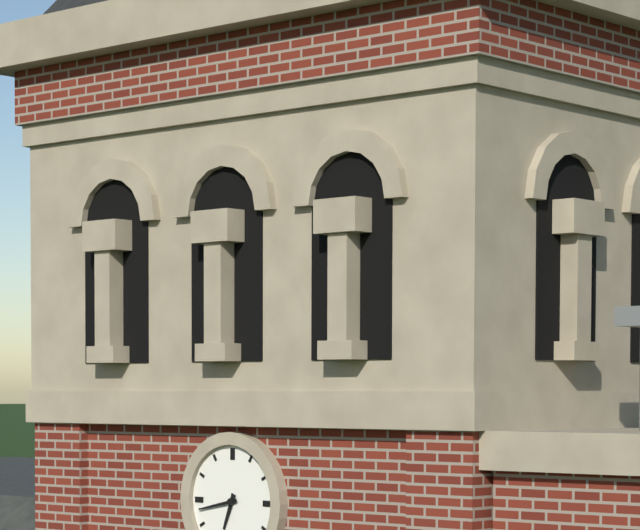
6.43
